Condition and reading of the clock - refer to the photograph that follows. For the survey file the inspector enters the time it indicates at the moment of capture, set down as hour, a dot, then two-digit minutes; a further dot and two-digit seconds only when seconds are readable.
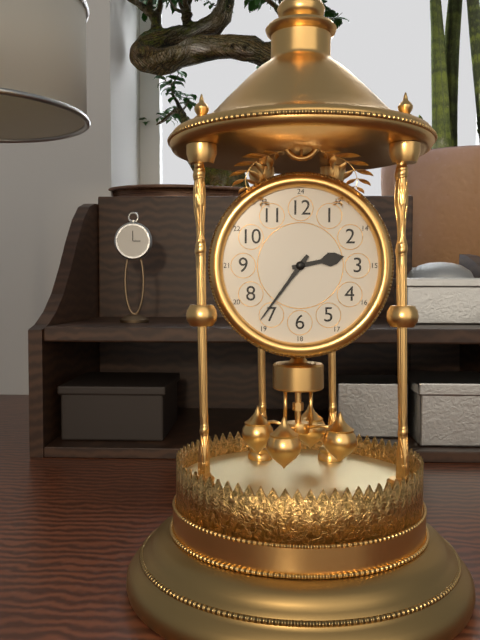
2.36
